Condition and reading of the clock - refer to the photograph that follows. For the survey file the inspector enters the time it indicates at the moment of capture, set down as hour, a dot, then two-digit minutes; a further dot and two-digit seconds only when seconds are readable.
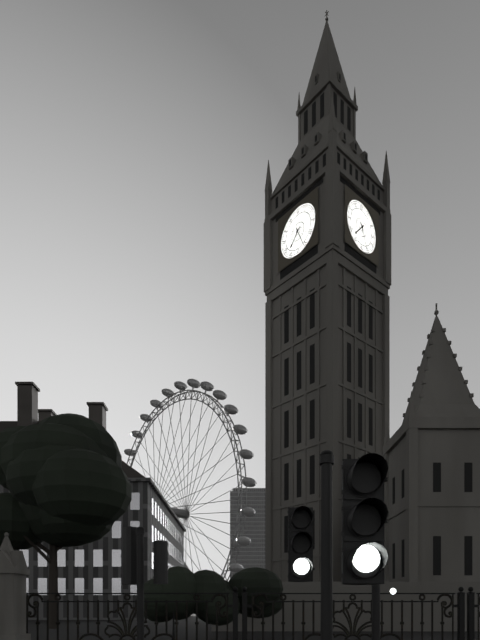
7.26
